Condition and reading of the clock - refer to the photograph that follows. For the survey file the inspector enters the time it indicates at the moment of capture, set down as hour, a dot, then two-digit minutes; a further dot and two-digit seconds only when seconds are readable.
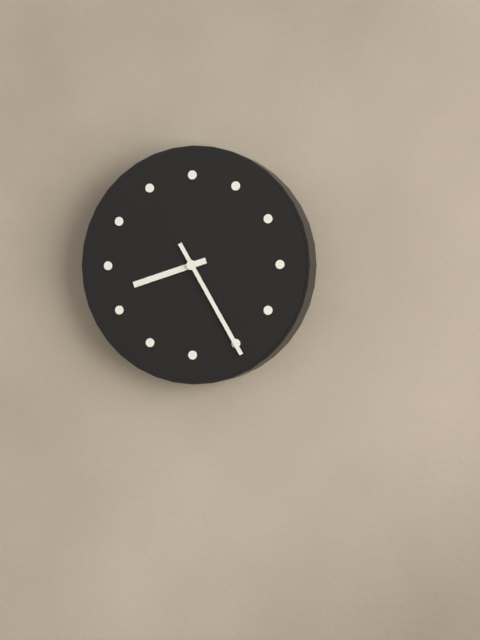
8.25
